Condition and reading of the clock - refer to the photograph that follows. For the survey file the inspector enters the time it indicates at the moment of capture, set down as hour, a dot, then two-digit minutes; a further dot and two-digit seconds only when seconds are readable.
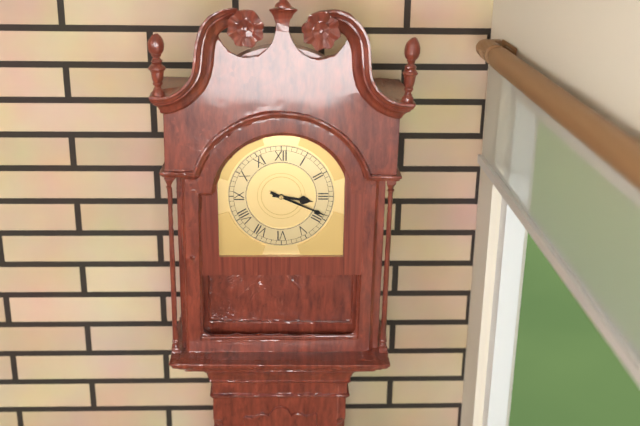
3.19
